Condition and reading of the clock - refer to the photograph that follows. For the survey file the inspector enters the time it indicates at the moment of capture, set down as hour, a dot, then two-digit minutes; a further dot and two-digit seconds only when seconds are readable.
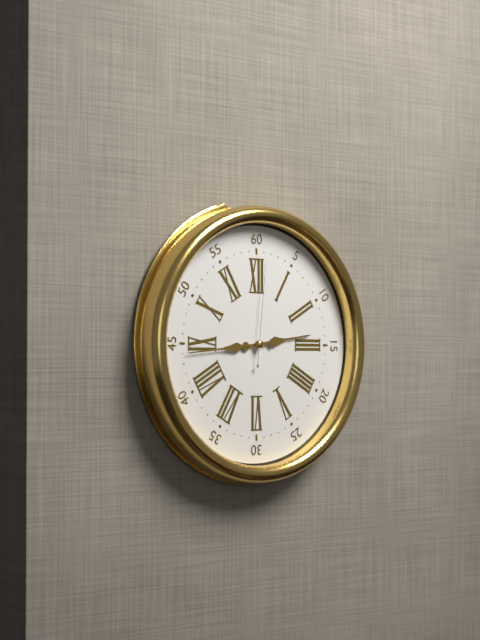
2.44.01
